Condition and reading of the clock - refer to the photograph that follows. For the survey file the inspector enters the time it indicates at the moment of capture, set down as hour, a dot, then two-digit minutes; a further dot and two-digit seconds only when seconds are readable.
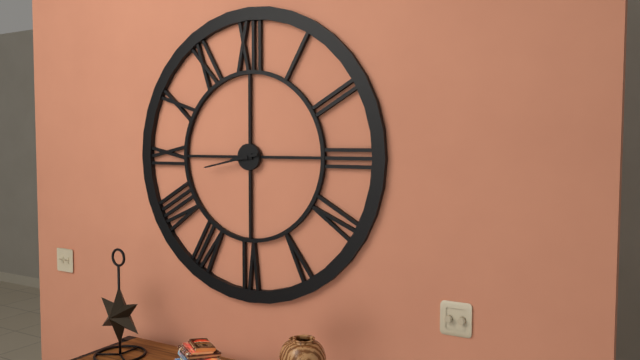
8.43
